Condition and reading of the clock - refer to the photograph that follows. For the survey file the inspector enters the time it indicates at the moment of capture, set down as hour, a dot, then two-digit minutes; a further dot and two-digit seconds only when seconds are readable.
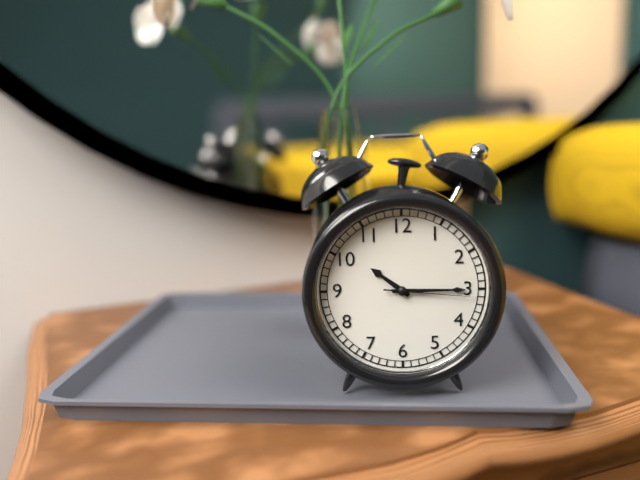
10.15.16
